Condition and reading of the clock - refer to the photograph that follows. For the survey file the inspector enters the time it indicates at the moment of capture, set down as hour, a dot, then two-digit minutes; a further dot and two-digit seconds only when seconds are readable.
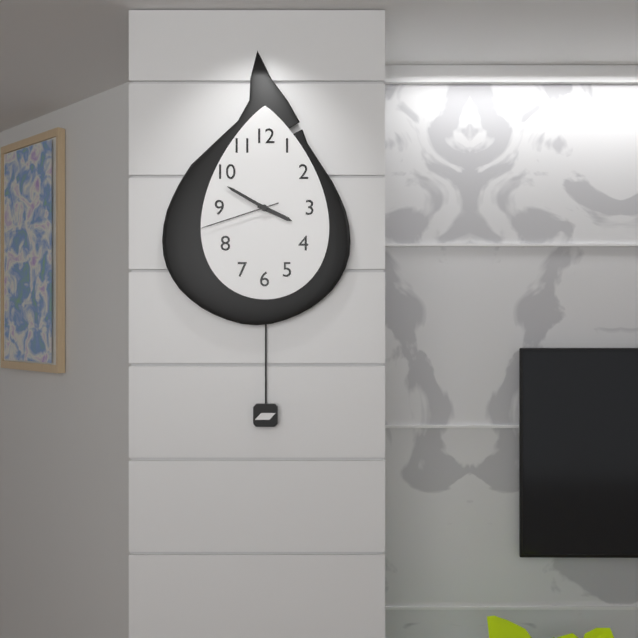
3.50.42
